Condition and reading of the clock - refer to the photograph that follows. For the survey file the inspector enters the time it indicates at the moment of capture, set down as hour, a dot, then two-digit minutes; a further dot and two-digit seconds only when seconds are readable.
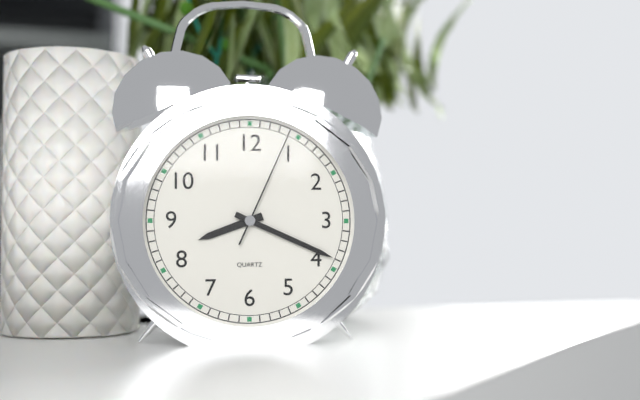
8.19.04
